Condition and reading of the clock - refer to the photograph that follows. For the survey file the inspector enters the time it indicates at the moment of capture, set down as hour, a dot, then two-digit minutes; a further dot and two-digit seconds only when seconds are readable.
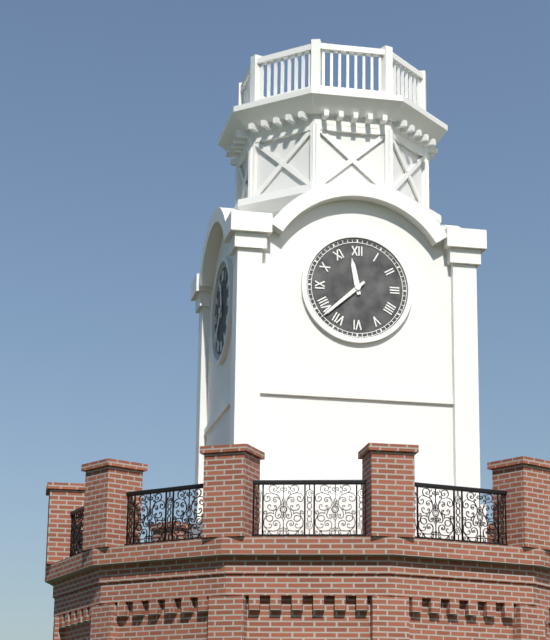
11.38
